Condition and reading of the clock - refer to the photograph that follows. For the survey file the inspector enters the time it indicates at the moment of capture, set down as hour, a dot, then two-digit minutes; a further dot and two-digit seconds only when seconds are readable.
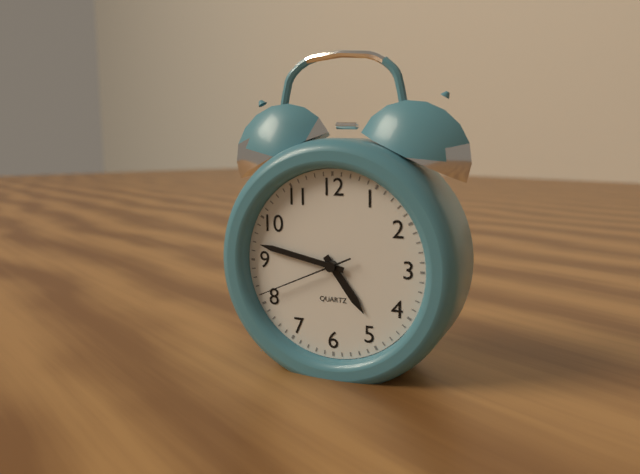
4.47.41
